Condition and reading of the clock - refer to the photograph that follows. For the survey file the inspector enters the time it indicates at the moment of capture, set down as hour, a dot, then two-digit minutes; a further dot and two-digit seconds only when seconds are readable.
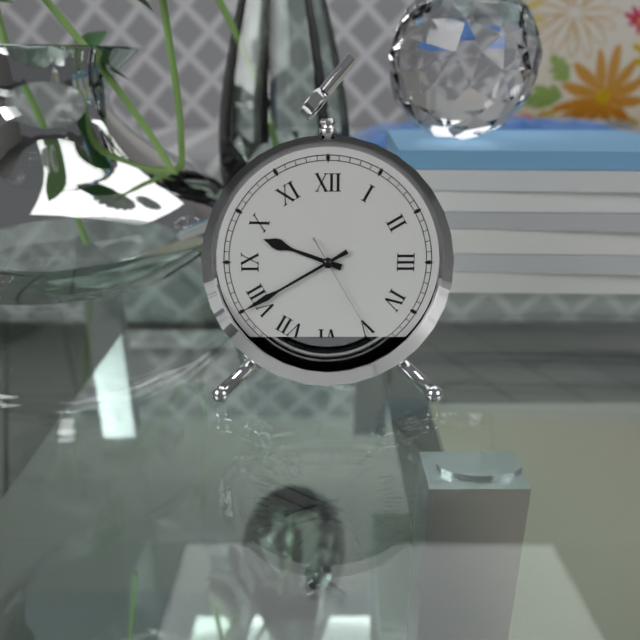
9.40.25
